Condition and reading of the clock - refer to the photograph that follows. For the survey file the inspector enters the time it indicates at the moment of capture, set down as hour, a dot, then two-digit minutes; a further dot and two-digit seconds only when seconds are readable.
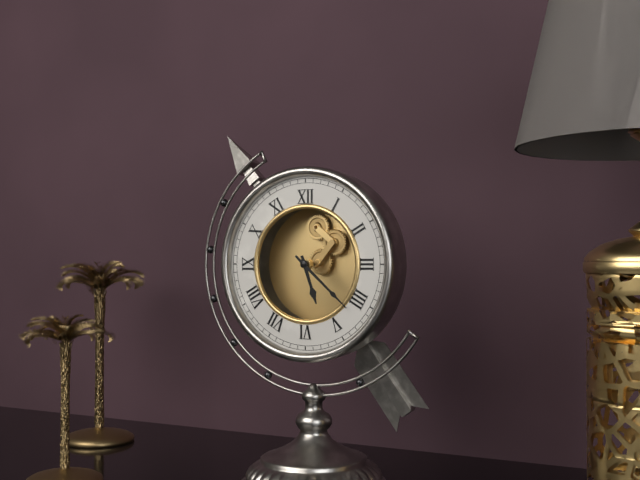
5.22
